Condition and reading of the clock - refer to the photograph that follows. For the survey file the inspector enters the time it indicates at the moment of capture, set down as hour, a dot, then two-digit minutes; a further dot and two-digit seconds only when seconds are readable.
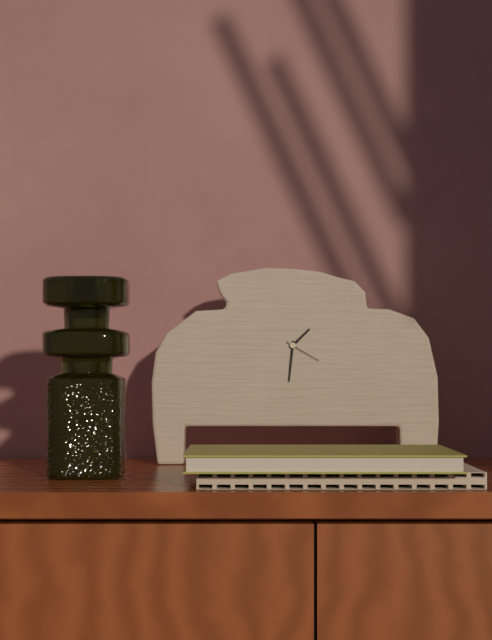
1.31
